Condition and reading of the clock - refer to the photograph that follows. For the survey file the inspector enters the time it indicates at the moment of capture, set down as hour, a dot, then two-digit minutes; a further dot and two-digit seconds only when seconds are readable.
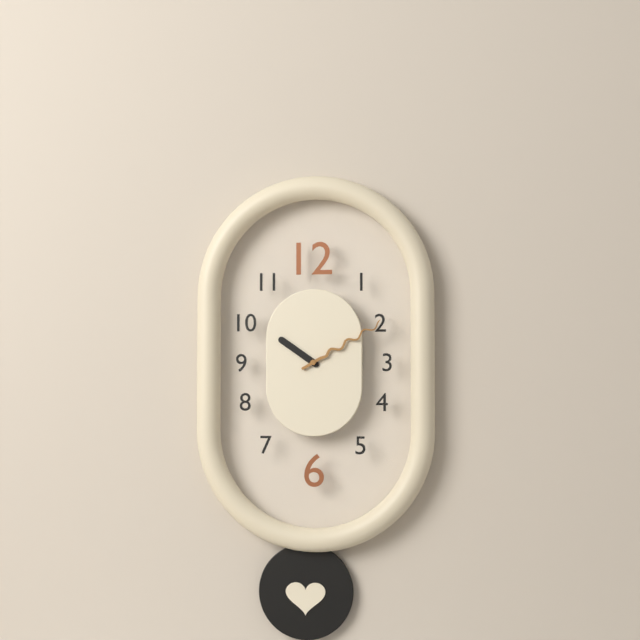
10.10
